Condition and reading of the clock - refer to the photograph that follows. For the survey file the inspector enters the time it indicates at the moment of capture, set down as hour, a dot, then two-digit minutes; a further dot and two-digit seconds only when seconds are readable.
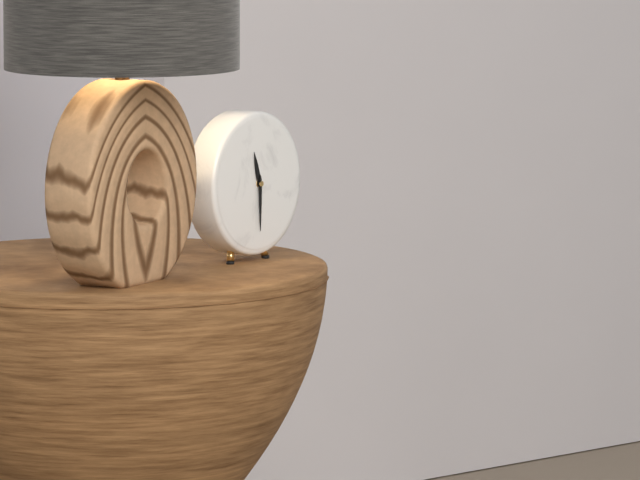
11.30
